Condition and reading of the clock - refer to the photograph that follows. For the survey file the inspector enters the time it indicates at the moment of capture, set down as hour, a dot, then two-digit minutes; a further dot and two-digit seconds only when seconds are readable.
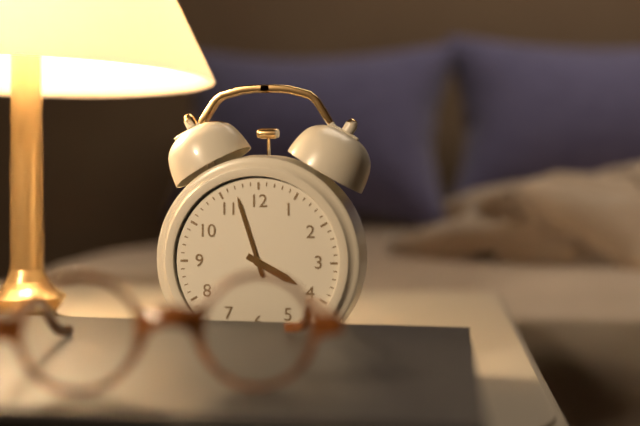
3.57
